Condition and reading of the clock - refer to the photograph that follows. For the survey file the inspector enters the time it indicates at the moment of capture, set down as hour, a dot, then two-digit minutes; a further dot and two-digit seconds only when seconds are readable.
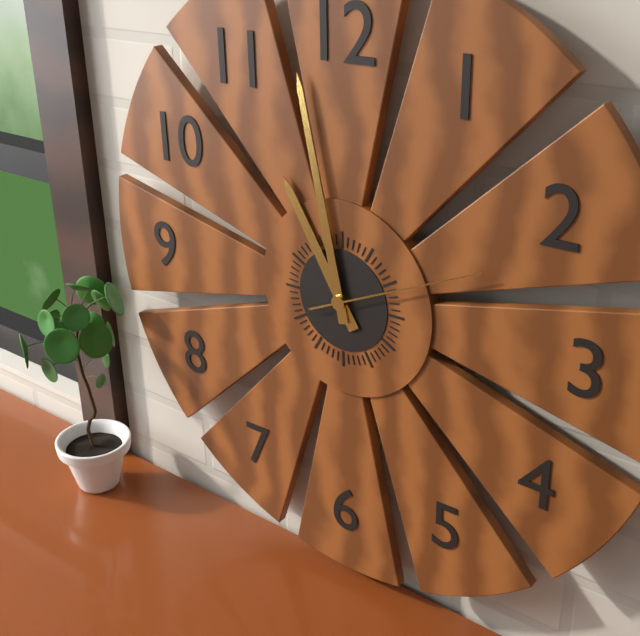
10.58.11
